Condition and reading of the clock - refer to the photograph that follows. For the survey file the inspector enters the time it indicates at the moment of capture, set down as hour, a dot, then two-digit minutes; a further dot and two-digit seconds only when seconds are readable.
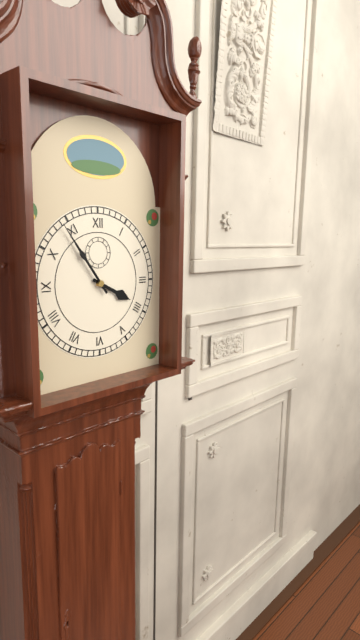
3.54
